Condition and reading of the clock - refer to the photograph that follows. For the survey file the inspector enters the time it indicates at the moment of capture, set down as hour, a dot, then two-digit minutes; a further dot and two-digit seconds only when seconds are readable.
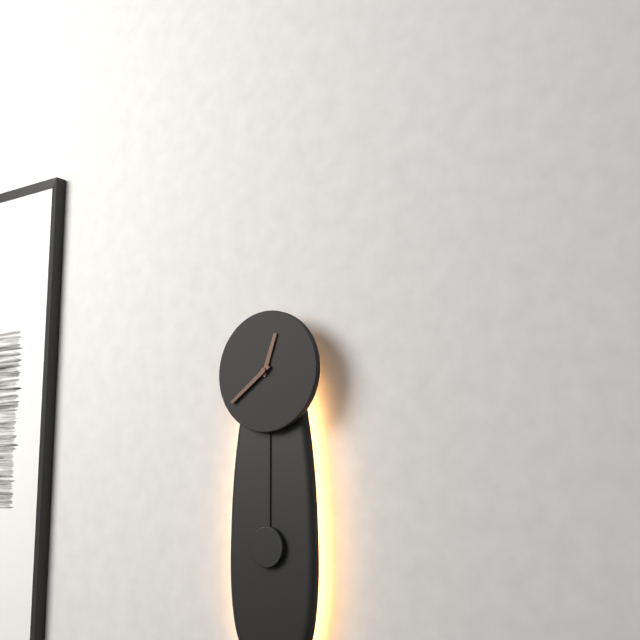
12.39
